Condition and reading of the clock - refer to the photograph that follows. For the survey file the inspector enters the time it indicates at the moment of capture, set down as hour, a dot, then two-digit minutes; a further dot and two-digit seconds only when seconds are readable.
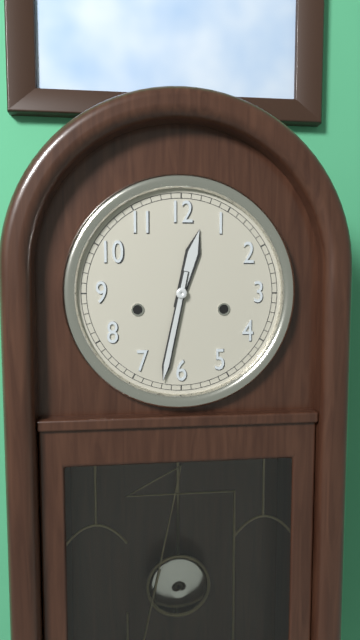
12.32
